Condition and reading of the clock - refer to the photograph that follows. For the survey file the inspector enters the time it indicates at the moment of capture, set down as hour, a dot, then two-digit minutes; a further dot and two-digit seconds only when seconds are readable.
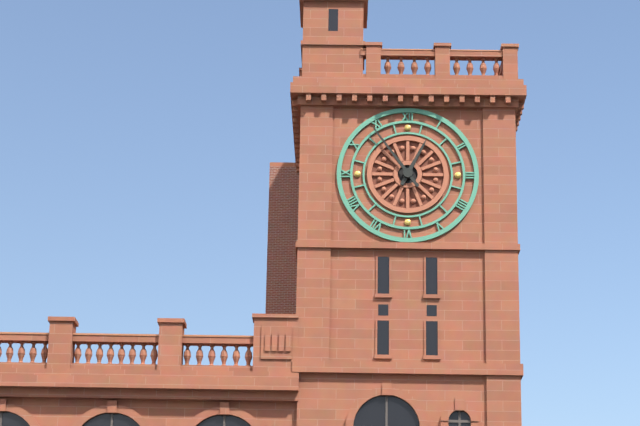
12.54
